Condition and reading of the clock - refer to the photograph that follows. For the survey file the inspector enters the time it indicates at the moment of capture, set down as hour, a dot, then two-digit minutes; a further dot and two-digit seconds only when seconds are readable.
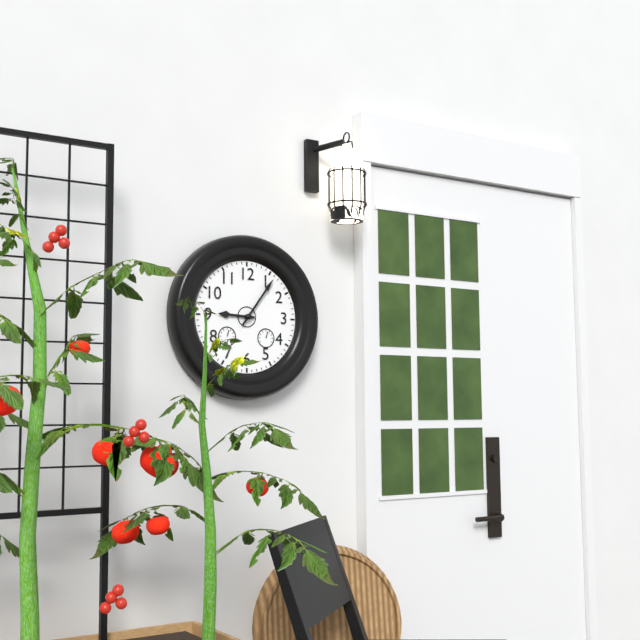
9.06
